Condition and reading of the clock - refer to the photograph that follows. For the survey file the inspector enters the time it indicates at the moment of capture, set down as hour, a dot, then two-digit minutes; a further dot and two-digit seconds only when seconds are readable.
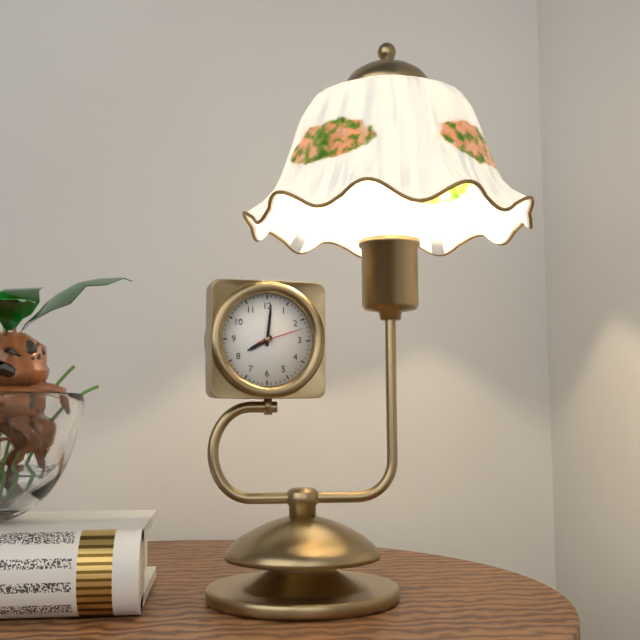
8.01
